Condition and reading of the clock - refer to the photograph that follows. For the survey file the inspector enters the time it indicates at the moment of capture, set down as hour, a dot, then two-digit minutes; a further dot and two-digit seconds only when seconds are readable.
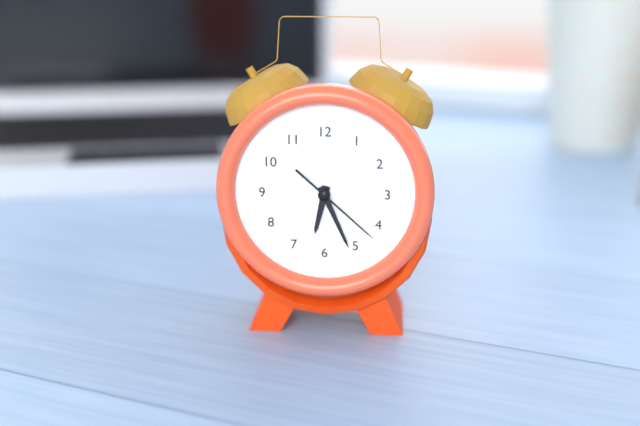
6.26.22
